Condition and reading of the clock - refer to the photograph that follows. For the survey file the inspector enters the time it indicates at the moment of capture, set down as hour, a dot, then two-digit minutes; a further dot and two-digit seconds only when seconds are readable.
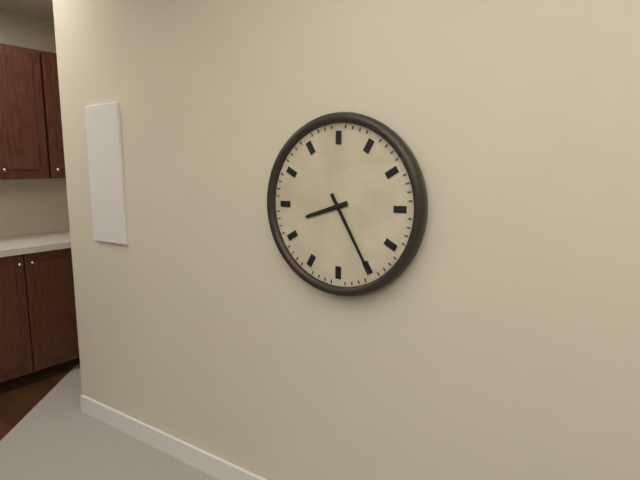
8.25
